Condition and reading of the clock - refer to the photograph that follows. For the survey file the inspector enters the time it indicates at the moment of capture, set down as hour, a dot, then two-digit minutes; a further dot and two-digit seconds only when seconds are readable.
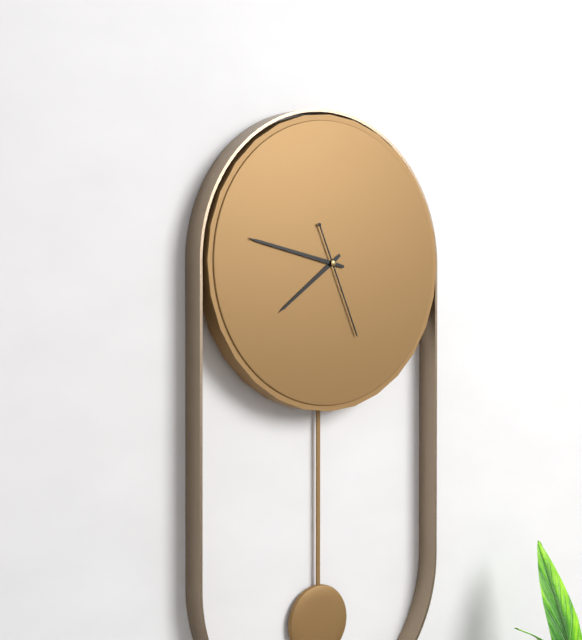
7.47.26
